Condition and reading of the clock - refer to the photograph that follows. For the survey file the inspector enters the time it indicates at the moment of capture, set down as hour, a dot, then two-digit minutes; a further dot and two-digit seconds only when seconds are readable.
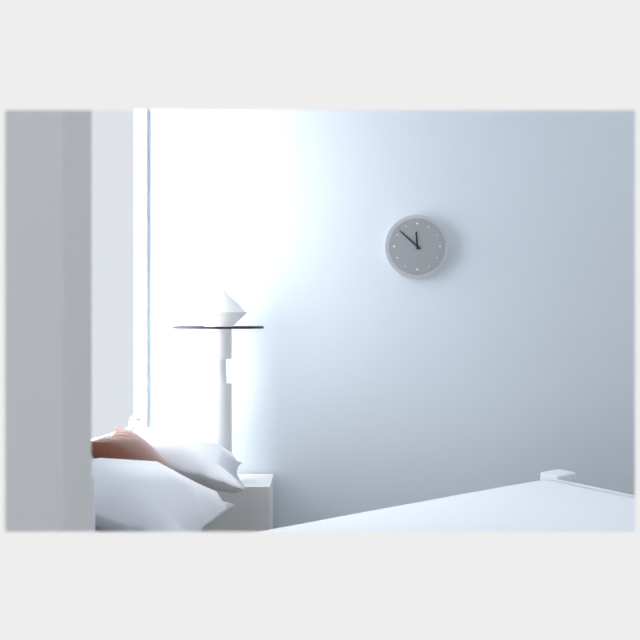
11.52
